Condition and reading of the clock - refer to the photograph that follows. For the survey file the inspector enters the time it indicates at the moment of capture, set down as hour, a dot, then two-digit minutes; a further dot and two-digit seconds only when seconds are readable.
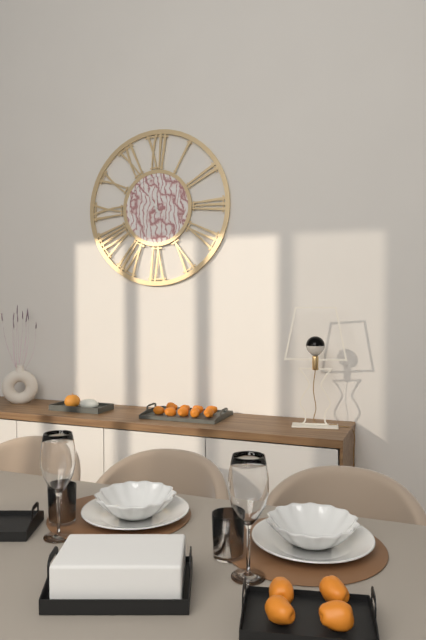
11.55
